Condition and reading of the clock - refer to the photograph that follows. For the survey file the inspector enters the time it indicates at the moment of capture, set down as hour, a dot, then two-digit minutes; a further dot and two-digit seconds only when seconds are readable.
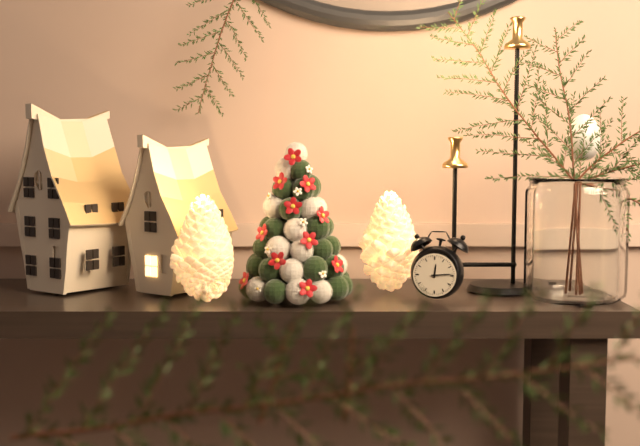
12.14
